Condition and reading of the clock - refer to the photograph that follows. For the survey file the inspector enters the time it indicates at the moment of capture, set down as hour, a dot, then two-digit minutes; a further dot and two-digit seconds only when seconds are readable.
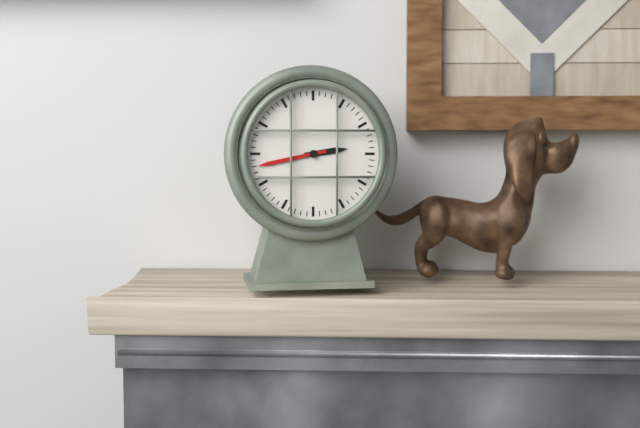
2.43
